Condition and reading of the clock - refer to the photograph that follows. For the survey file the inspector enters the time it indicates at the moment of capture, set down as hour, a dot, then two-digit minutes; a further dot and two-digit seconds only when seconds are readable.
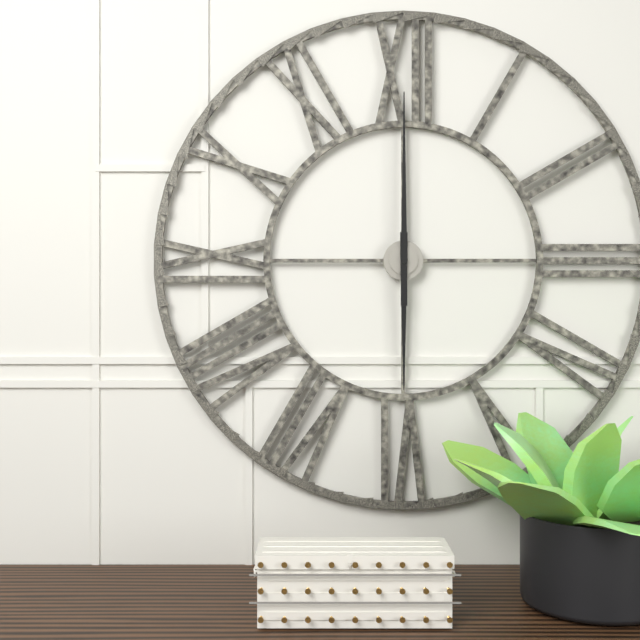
6.00
